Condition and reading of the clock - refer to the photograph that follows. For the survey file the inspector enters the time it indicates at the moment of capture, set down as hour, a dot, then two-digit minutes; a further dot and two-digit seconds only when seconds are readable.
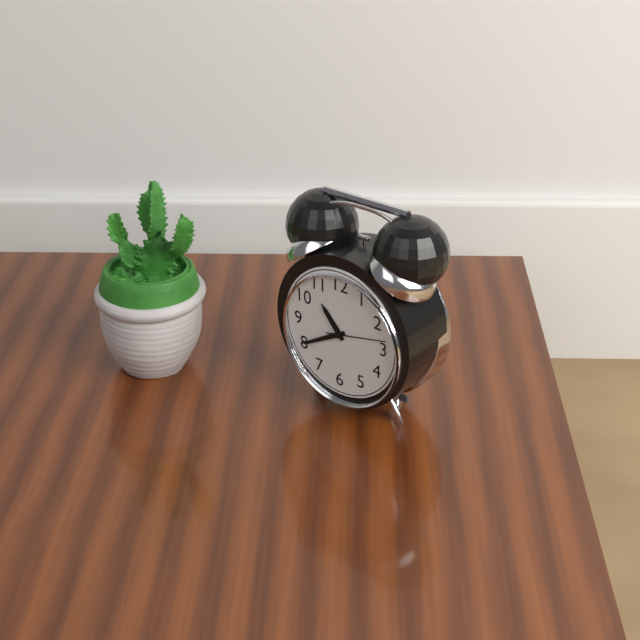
10.40.13
